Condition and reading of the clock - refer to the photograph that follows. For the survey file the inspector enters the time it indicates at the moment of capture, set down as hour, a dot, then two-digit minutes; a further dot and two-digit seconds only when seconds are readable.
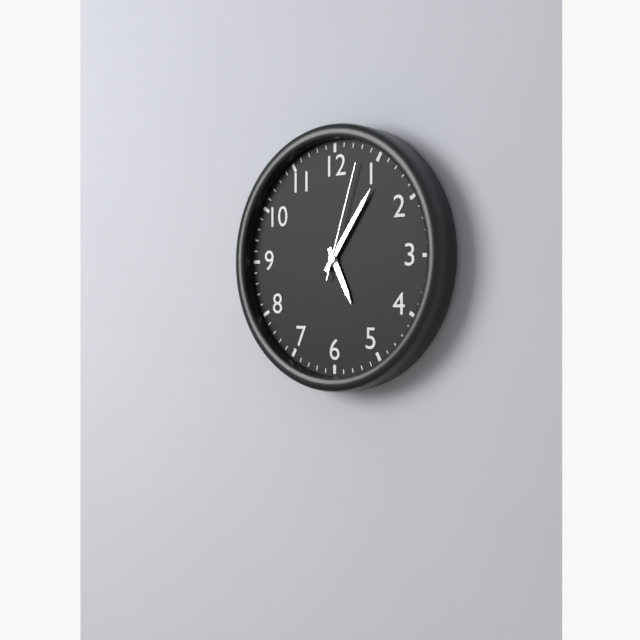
5.06.03
